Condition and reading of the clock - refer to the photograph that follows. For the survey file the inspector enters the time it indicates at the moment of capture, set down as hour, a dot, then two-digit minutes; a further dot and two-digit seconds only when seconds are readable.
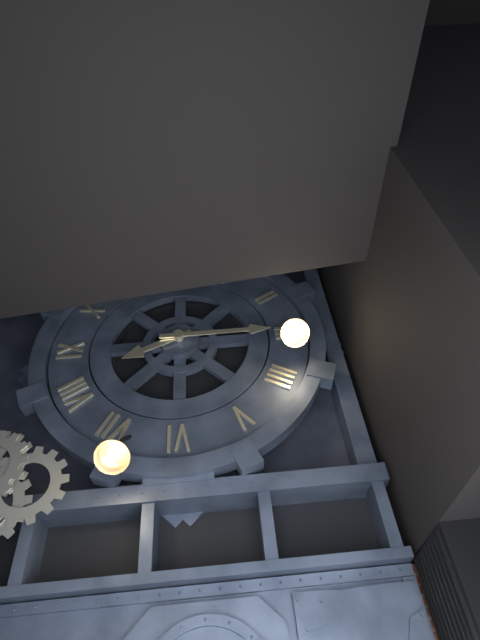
8.15
